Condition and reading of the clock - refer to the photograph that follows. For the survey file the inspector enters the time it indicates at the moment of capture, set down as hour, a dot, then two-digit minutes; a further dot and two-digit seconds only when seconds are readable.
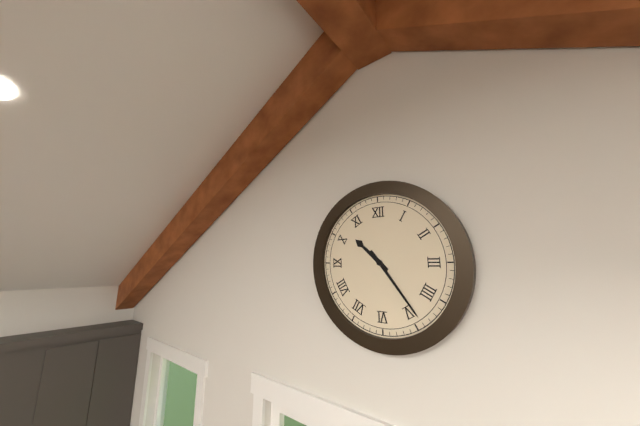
10.24
